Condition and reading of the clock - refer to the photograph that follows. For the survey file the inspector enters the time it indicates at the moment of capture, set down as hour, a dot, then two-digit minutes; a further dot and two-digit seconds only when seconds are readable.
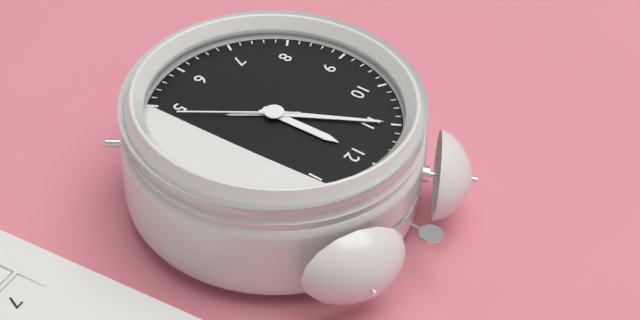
11.55.24
